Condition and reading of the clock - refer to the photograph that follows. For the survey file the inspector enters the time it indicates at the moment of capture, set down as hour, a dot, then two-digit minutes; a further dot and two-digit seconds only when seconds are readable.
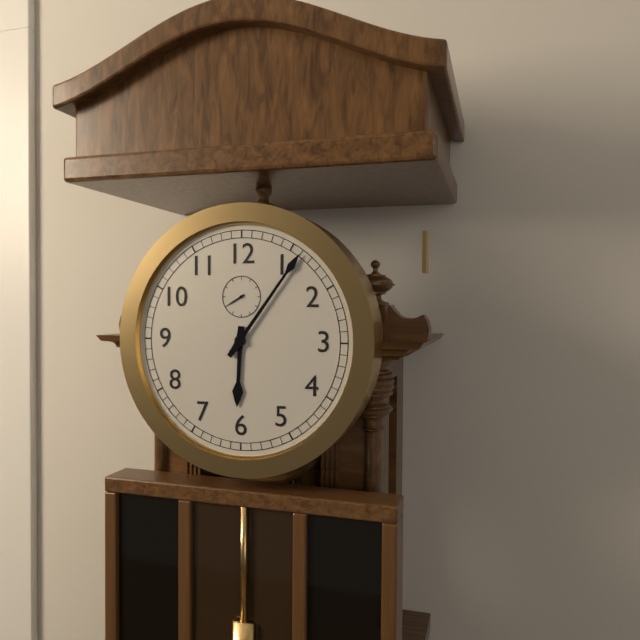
6.06
